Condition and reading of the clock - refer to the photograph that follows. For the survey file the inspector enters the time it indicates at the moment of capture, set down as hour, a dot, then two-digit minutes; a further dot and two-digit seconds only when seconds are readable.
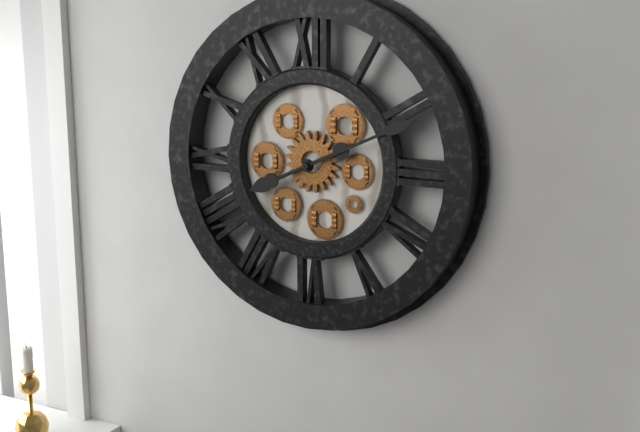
8.11
